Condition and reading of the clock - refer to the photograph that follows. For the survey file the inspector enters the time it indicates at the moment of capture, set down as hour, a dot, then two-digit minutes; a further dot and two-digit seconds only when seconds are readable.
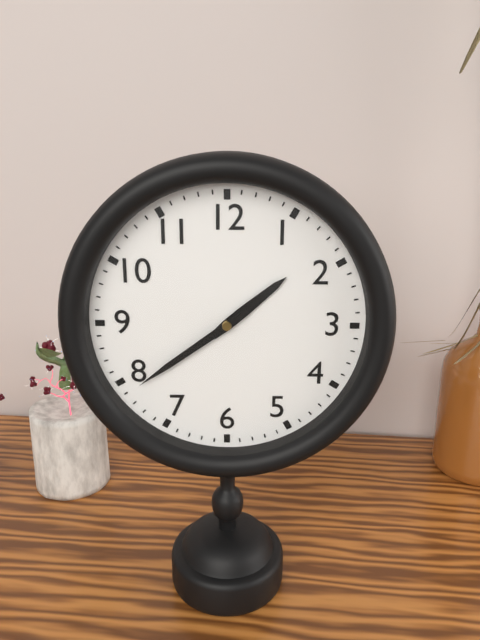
1.39
